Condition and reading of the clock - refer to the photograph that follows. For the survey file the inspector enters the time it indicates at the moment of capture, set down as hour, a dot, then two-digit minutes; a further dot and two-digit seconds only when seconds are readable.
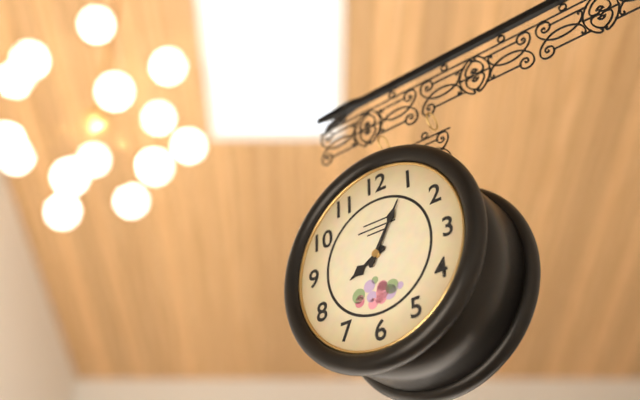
8.05
